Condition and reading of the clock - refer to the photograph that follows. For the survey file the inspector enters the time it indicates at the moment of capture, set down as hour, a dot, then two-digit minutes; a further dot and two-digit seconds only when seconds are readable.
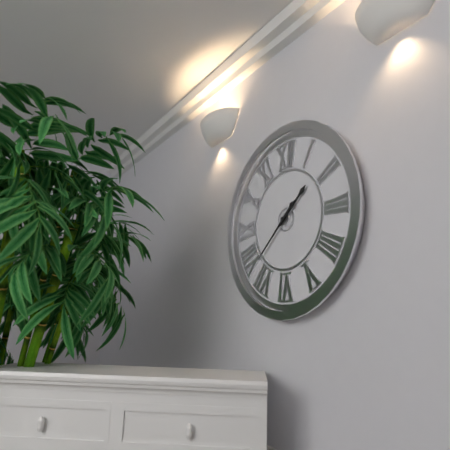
1.38
